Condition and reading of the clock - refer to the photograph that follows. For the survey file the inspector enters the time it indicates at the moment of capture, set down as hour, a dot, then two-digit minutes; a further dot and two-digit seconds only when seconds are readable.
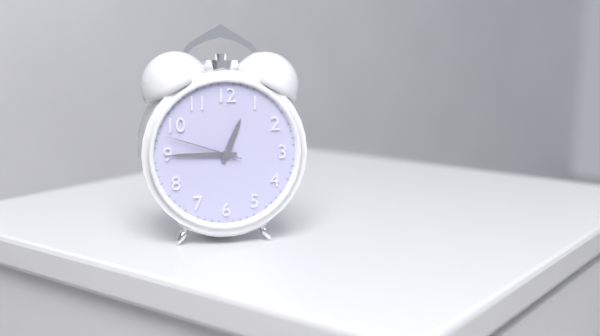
12.45.48
